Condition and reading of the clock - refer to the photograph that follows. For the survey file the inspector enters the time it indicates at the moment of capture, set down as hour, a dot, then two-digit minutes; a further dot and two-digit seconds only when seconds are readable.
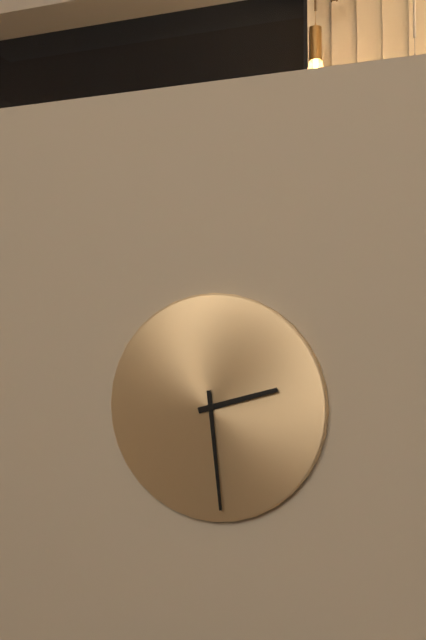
2.29
